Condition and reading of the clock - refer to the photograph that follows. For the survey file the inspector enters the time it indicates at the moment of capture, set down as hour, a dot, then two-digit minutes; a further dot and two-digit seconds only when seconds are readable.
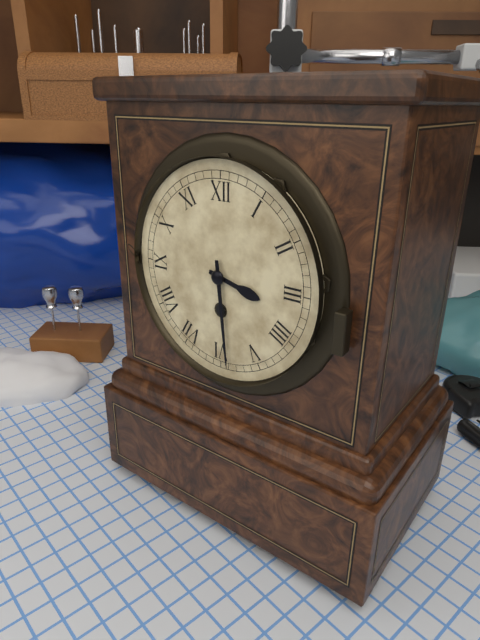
3.29
